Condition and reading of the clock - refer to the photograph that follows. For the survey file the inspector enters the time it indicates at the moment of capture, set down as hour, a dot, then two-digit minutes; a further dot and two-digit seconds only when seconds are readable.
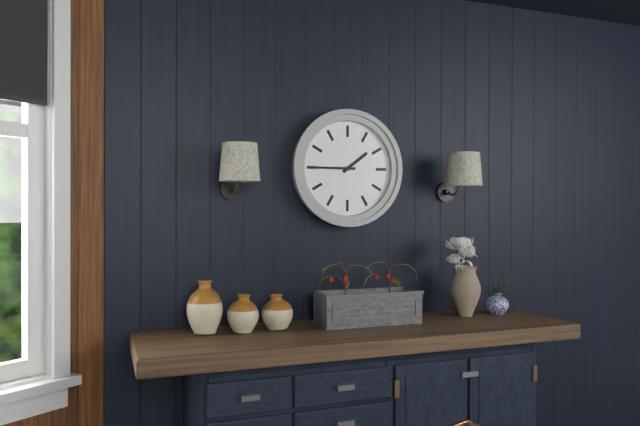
1.45
